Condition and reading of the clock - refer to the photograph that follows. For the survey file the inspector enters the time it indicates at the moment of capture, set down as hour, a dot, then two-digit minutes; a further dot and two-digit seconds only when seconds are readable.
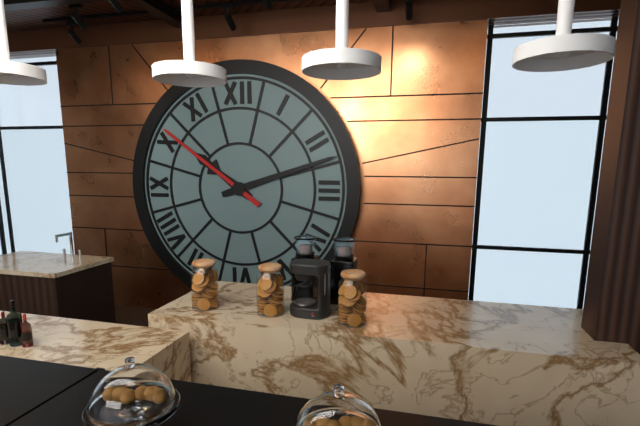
10.12.51
